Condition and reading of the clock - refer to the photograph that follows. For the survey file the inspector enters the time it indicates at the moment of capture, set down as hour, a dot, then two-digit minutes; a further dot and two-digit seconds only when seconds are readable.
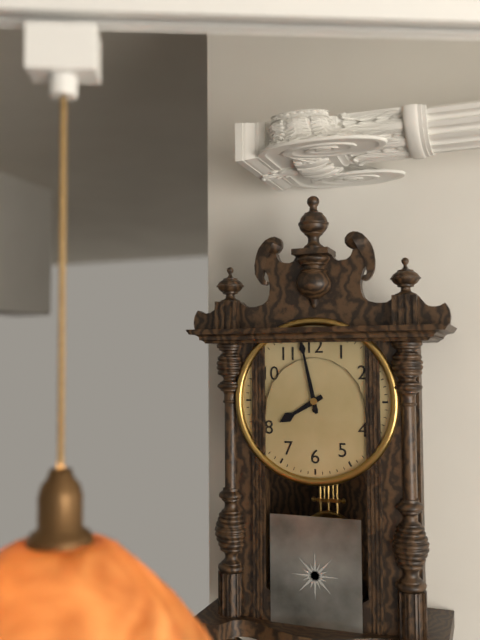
7.58
